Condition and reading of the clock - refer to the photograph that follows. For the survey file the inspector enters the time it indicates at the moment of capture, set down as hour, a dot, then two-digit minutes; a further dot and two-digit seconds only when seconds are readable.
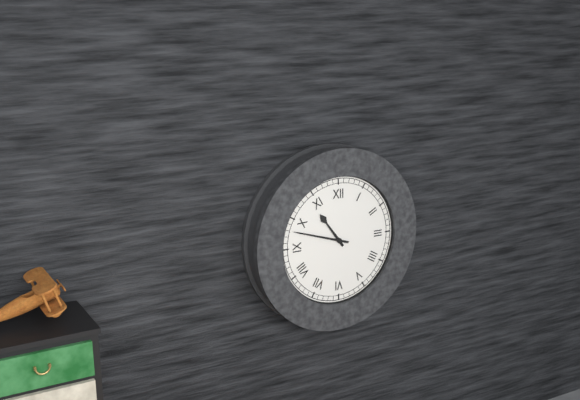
10.48
